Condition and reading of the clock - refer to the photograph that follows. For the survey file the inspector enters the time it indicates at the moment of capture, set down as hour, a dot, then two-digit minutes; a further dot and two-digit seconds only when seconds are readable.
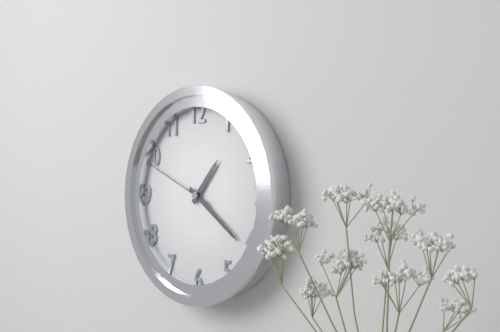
1.21.49
